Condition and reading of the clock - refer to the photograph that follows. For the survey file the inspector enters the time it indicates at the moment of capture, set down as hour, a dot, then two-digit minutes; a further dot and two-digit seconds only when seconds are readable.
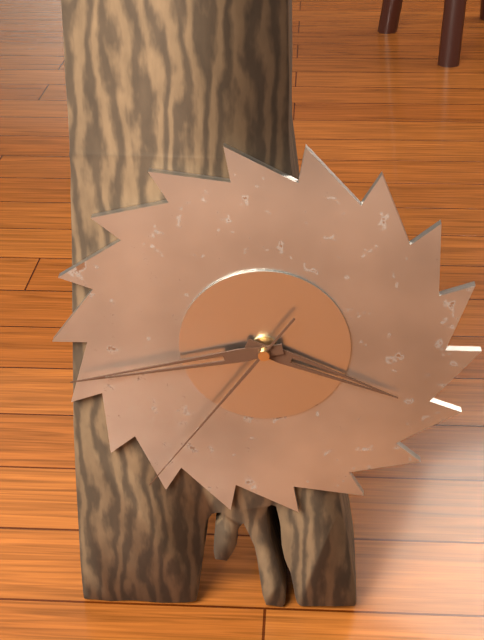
3.43.36
